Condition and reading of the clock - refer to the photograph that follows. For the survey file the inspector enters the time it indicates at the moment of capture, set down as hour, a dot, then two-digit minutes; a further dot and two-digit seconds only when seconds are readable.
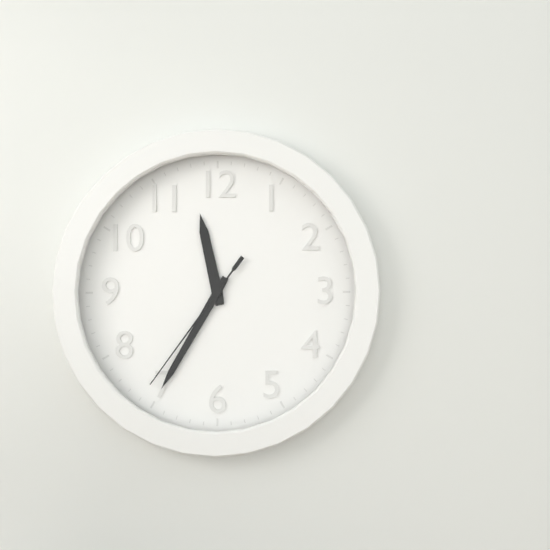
11.35.36
